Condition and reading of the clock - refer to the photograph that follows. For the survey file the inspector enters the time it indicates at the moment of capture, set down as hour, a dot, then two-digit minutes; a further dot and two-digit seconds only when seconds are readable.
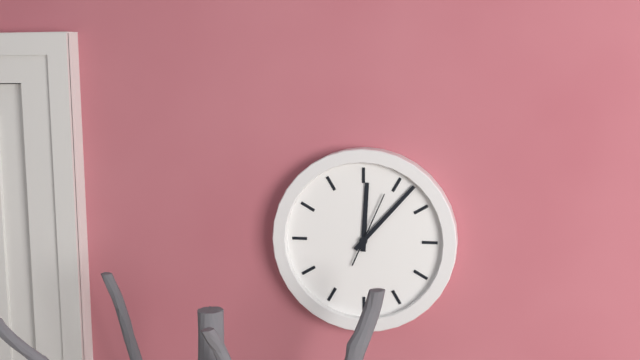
12.07.04
